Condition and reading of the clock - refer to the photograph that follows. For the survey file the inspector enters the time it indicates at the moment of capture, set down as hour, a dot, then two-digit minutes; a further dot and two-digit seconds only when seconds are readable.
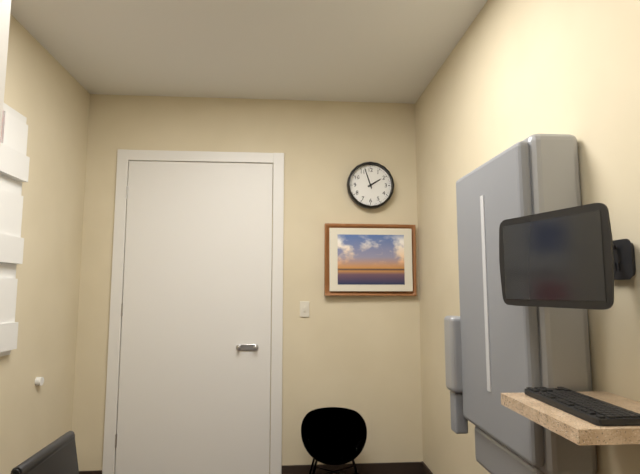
1.57
